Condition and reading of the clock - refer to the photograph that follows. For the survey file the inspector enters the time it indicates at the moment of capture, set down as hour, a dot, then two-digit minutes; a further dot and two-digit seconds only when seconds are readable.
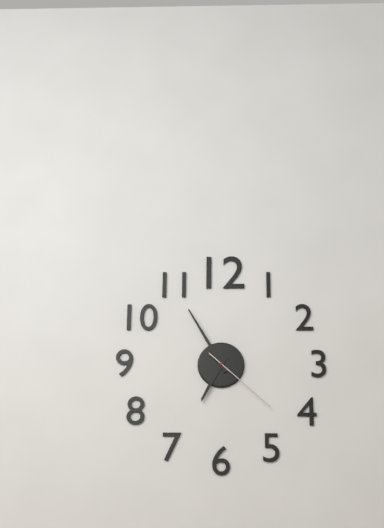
6.55.22
